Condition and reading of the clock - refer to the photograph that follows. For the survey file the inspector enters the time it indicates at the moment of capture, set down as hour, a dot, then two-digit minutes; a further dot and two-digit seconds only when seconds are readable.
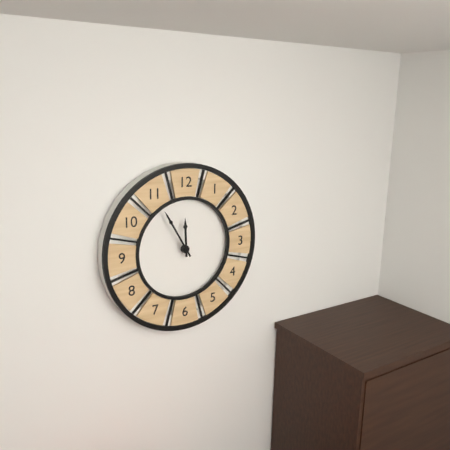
11.55
